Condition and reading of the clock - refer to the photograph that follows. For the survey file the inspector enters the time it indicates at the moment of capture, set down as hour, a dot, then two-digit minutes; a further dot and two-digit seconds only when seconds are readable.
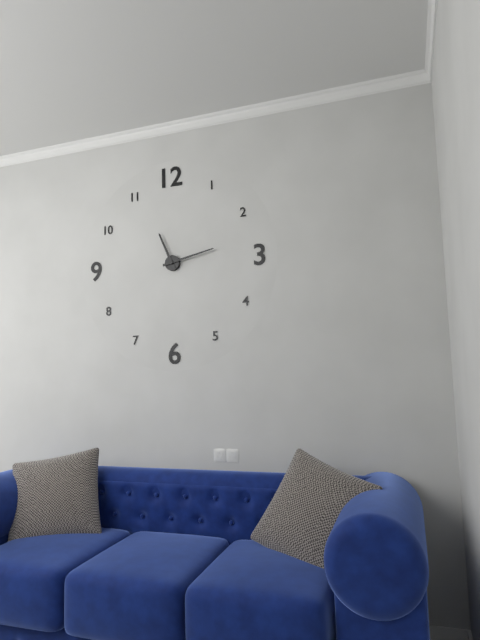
11.13
